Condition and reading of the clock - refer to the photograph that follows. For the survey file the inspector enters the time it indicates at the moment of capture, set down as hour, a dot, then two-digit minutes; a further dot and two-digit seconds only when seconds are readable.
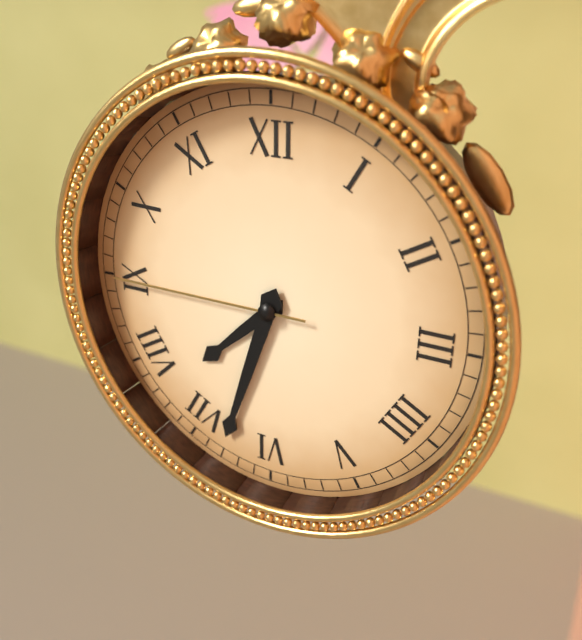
7.33.45
